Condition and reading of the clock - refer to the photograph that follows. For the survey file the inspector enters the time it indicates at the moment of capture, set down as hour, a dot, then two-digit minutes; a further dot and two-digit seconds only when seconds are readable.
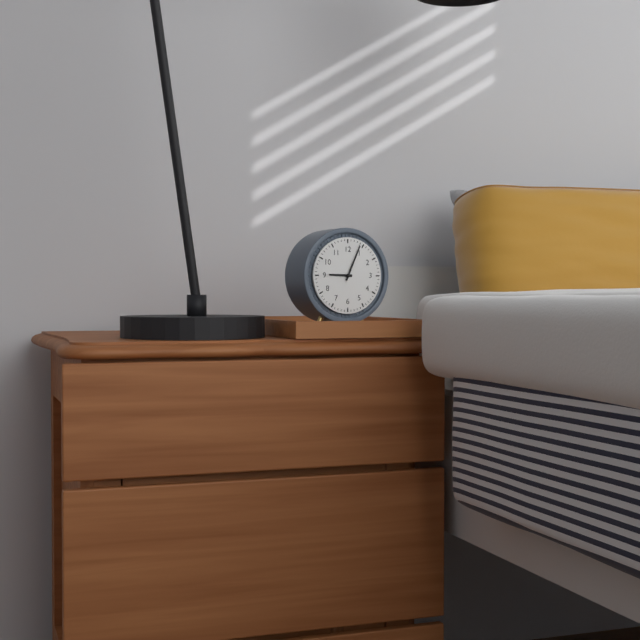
9.04
